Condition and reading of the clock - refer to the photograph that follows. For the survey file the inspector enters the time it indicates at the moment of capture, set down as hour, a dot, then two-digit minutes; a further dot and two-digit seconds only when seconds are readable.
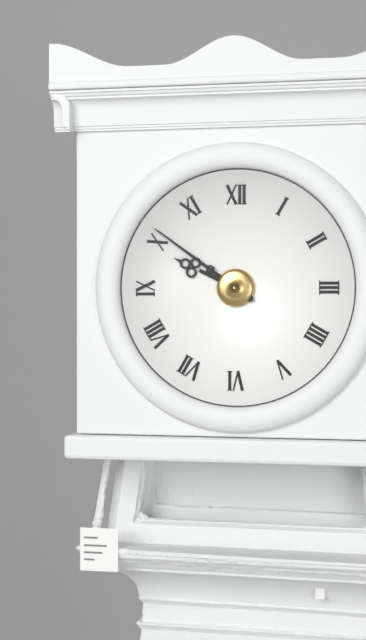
9.51
